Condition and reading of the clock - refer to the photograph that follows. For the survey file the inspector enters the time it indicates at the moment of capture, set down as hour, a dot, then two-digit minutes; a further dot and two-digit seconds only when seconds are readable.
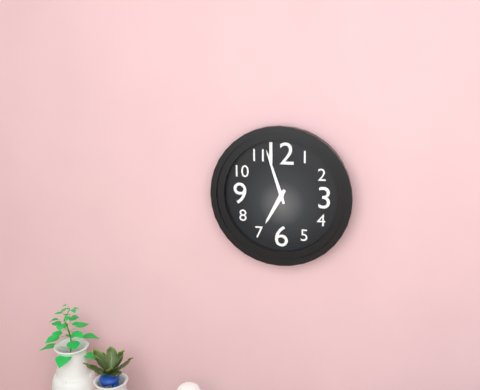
6.57
